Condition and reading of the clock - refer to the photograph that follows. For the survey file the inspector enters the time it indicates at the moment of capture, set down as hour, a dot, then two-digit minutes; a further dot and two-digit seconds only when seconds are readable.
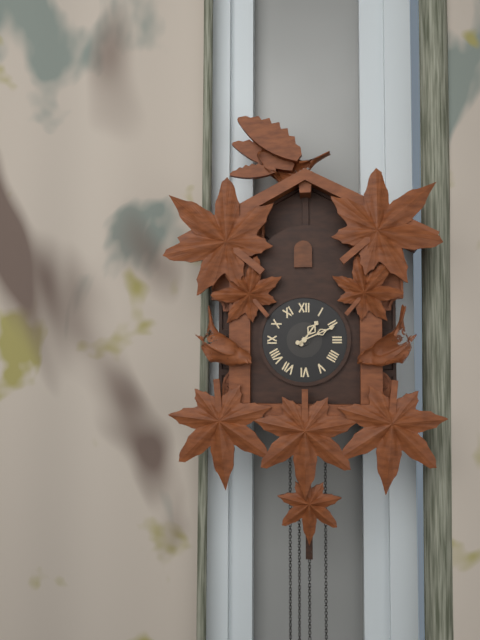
1.11
